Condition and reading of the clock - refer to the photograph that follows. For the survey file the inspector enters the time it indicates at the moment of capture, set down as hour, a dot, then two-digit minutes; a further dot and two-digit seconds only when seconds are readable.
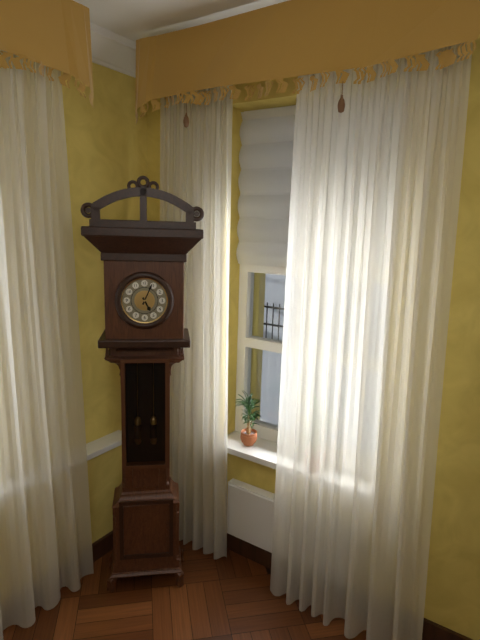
5.04
